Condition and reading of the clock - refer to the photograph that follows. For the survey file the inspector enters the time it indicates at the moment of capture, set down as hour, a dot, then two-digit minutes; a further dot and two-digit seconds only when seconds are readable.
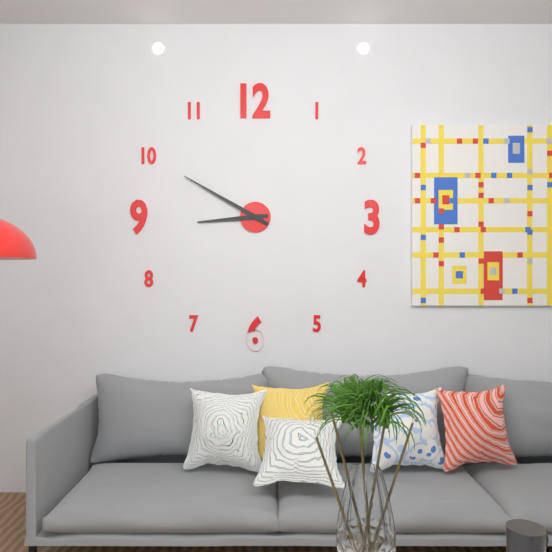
8.50
